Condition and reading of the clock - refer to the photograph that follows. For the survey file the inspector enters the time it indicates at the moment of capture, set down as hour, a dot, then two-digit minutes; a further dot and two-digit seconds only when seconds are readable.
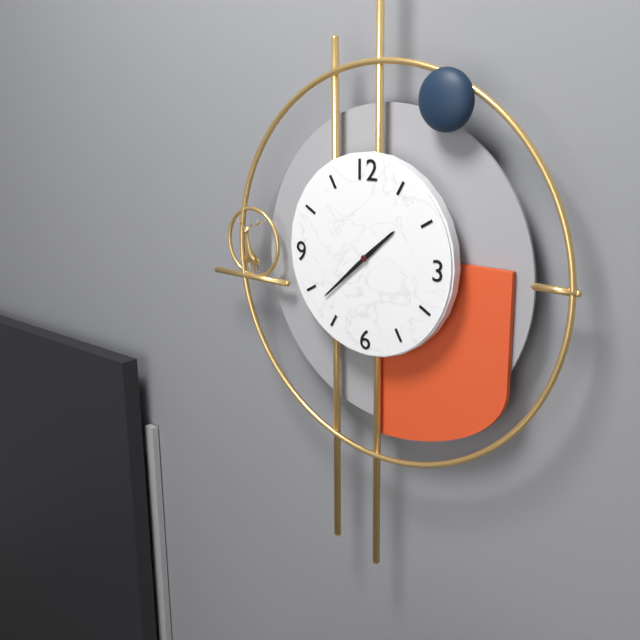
1.38
